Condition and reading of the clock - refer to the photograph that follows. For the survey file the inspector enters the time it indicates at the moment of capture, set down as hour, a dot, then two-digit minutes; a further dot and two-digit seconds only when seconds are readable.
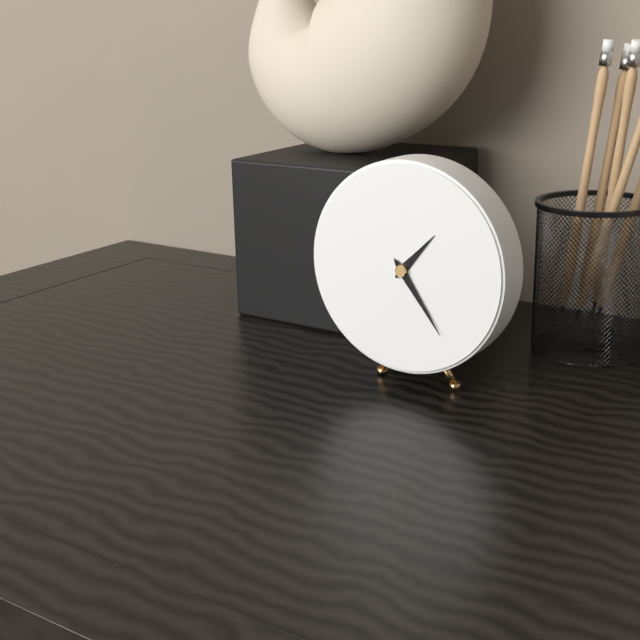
1.24
